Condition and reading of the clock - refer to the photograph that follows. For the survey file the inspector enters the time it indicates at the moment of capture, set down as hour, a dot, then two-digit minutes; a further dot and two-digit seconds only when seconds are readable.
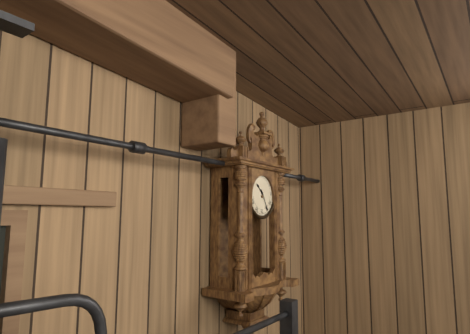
10.25
